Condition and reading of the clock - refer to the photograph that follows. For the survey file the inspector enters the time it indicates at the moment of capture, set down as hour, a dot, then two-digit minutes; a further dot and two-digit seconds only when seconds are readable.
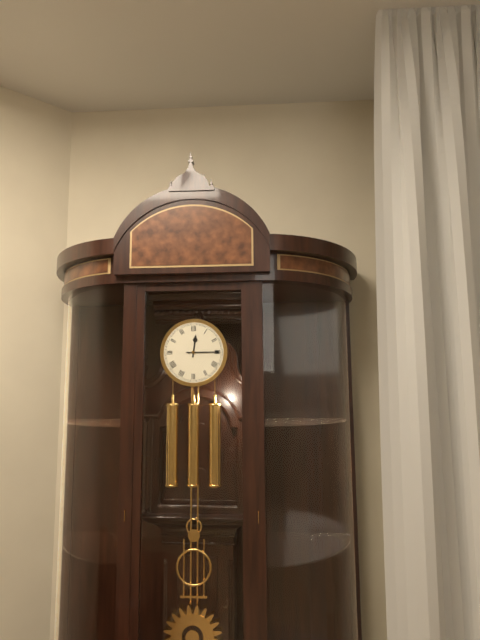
12.15
